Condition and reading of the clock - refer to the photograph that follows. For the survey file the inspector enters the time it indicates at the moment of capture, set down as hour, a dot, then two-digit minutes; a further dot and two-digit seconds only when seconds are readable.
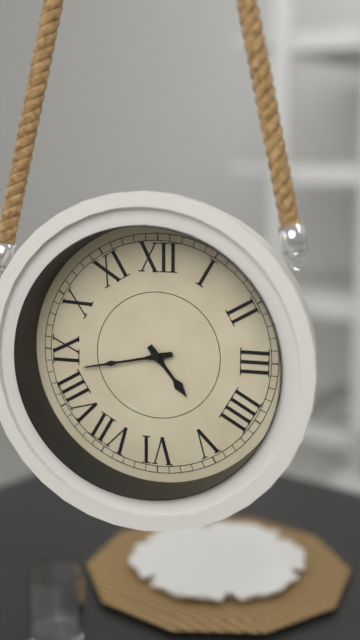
4.43
